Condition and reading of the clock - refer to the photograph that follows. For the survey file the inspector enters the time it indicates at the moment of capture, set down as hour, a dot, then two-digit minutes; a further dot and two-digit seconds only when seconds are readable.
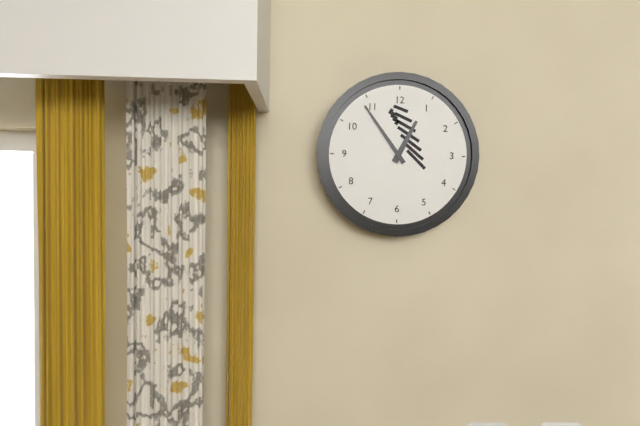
12.54
